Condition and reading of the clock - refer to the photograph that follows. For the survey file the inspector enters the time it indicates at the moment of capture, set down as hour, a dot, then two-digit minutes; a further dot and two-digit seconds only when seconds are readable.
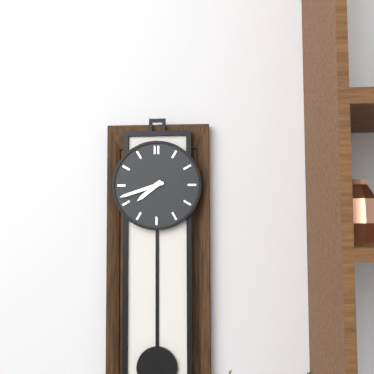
7.42
